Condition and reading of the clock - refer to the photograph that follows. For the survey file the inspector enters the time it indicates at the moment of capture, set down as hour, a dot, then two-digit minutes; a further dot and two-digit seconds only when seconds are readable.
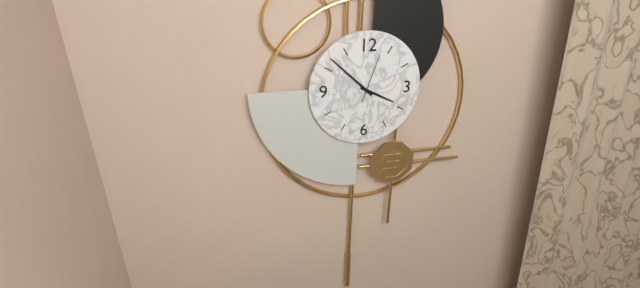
3.52
